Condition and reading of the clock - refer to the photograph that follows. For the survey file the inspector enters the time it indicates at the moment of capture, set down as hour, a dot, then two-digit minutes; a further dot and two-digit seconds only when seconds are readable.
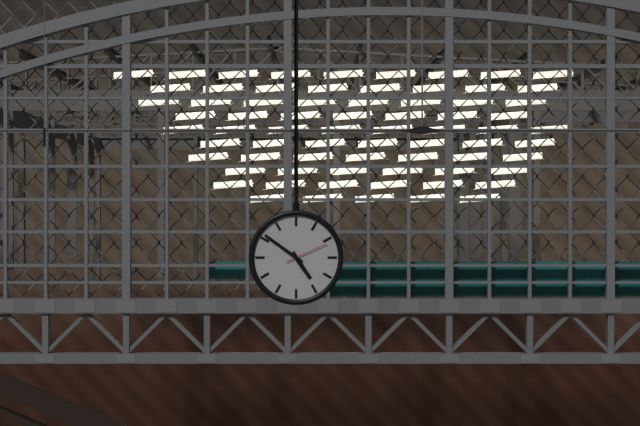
4.51
